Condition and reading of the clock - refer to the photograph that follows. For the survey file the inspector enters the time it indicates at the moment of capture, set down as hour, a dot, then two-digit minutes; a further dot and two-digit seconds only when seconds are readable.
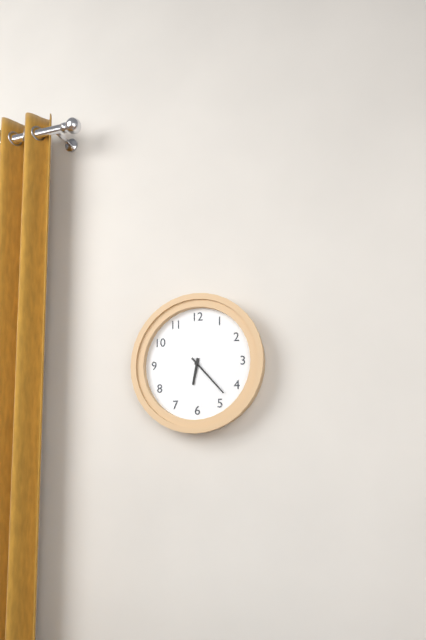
6.23
